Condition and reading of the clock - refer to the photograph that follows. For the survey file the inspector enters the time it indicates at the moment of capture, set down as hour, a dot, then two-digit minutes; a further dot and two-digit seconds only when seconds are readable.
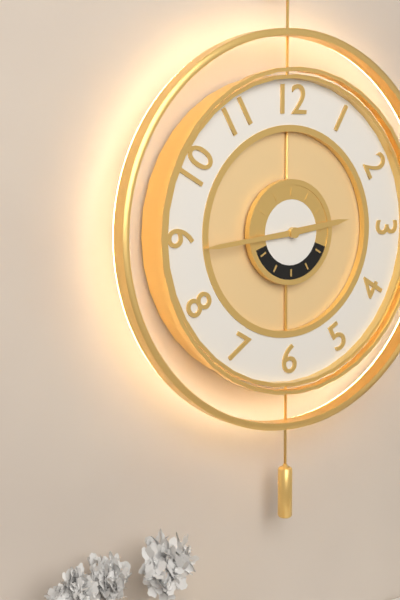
2.44
